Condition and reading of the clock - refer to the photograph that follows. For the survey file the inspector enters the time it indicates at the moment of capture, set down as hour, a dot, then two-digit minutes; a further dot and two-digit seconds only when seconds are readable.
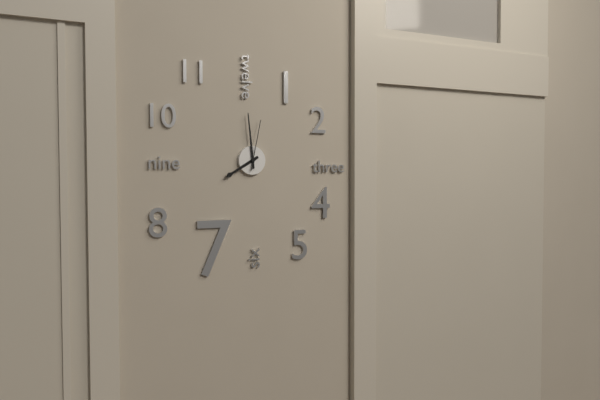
7.59.02
